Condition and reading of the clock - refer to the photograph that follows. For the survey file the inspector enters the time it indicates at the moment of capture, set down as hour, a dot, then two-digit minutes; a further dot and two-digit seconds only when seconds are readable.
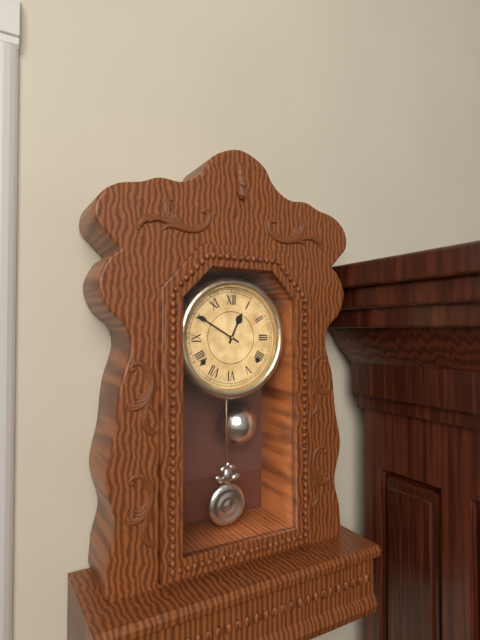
12.50
